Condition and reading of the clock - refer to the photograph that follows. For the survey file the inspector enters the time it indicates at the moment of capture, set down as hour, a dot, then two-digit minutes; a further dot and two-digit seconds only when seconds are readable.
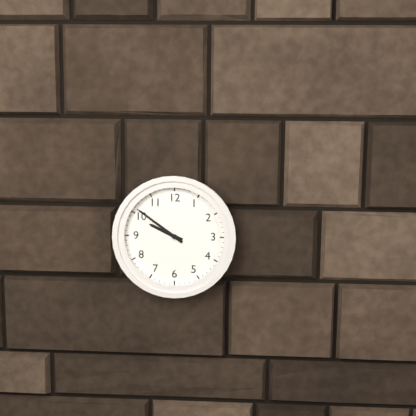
9.51
